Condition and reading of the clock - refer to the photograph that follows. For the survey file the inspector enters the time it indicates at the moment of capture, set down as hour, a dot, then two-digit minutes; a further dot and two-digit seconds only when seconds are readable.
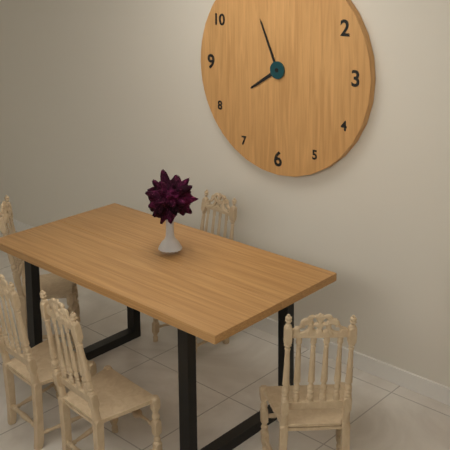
7.56
